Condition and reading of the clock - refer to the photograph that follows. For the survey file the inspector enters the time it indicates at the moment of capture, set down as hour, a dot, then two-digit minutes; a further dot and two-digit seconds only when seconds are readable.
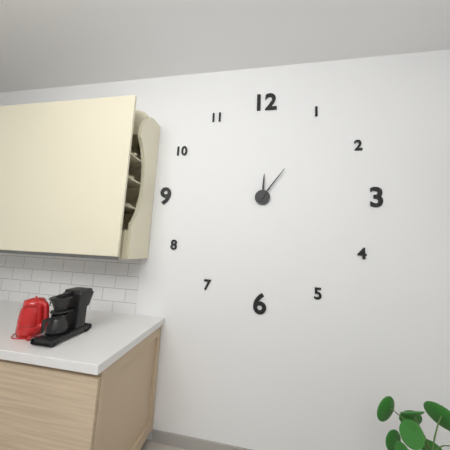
12.06
